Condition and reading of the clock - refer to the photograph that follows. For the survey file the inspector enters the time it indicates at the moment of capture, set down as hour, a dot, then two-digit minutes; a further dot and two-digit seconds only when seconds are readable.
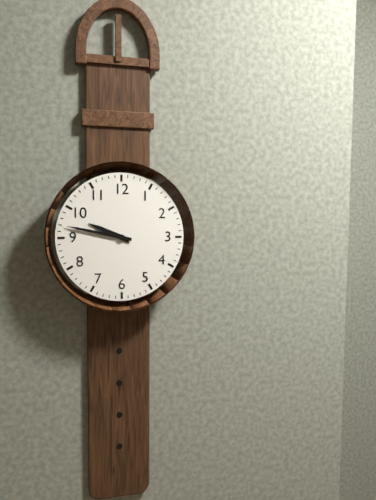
9.47
